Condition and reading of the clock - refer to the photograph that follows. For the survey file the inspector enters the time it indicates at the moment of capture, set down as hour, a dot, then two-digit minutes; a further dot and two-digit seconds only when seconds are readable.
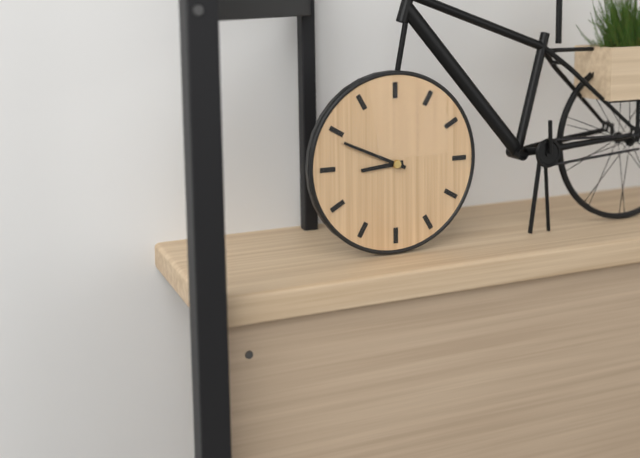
8.49
